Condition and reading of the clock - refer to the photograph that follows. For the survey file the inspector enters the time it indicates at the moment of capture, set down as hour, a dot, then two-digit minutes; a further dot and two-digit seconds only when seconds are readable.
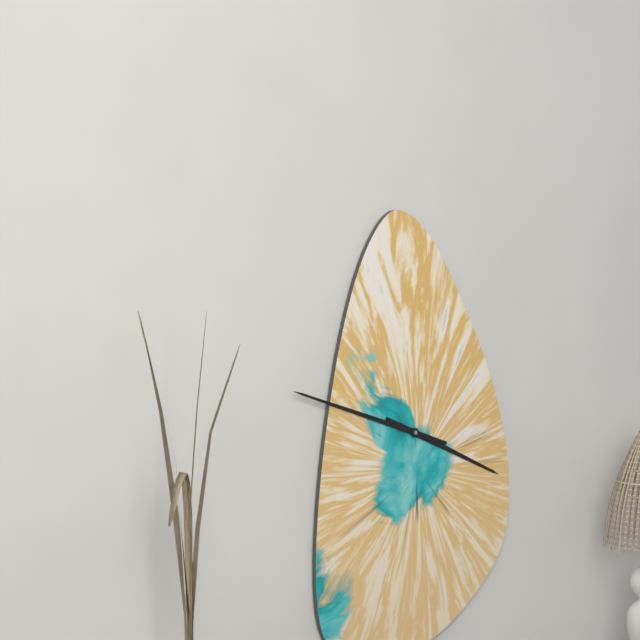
3.48
